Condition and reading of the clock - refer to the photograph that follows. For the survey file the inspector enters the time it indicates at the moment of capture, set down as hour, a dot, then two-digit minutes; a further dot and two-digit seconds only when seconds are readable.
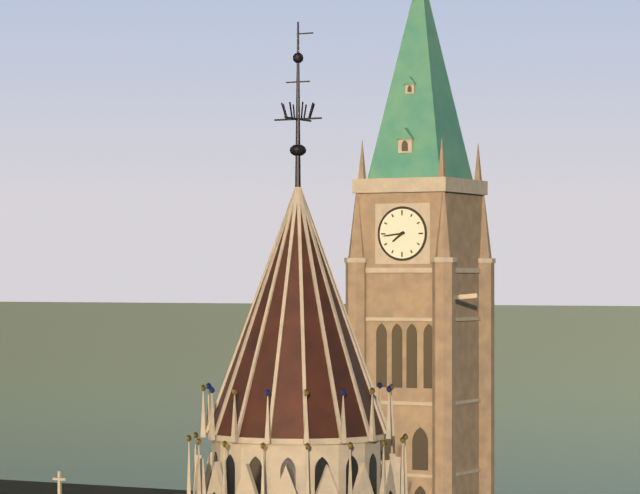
7.44
